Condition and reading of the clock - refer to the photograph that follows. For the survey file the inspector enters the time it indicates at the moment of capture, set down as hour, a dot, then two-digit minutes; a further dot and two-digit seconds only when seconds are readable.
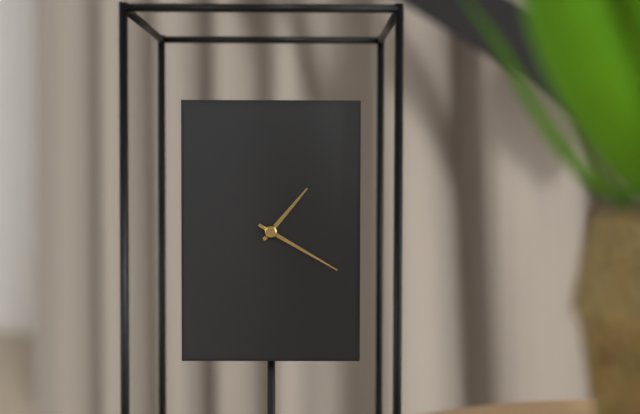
1.20
